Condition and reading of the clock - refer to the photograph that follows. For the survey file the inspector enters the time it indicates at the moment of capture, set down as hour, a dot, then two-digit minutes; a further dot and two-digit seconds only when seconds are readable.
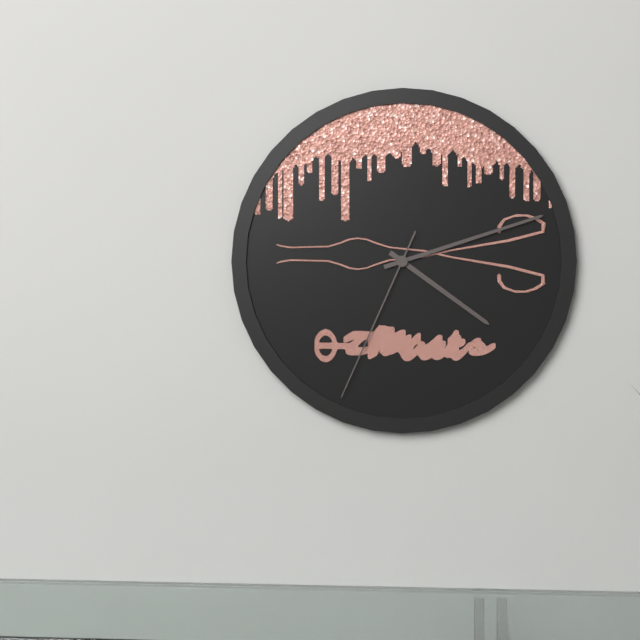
4.12.34
